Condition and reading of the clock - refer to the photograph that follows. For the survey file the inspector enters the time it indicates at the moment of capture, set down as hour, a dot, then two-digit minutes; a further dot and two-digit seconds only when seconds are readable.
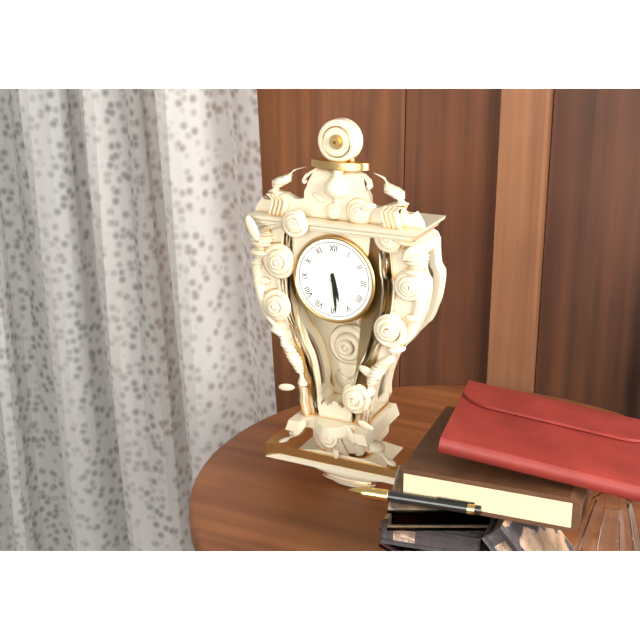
5.29
